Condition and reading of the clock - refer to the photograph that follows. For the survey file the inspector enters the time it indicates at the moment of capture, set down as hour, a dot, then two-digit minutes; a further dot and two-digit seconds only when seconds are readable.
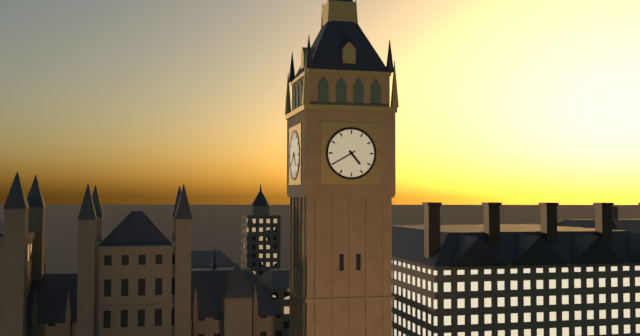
4.40
